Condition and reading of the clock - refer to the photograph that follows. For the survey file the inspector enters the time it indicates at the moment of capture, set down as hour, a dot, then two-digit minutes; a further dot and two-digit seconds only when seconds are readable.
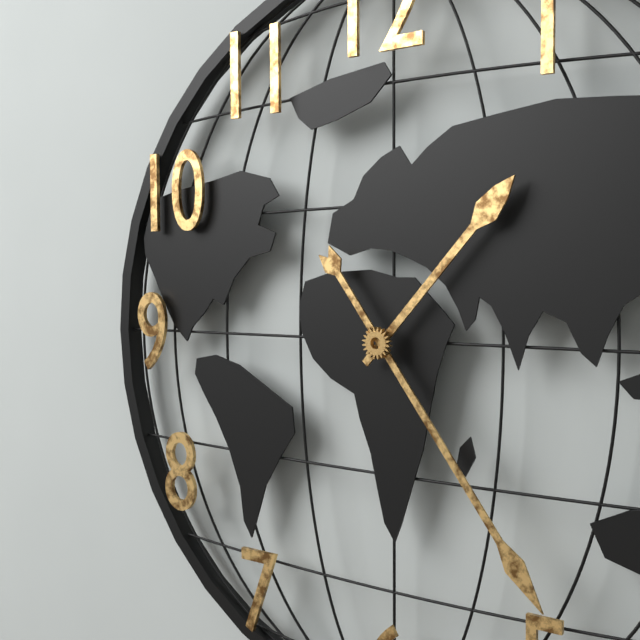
1.24
